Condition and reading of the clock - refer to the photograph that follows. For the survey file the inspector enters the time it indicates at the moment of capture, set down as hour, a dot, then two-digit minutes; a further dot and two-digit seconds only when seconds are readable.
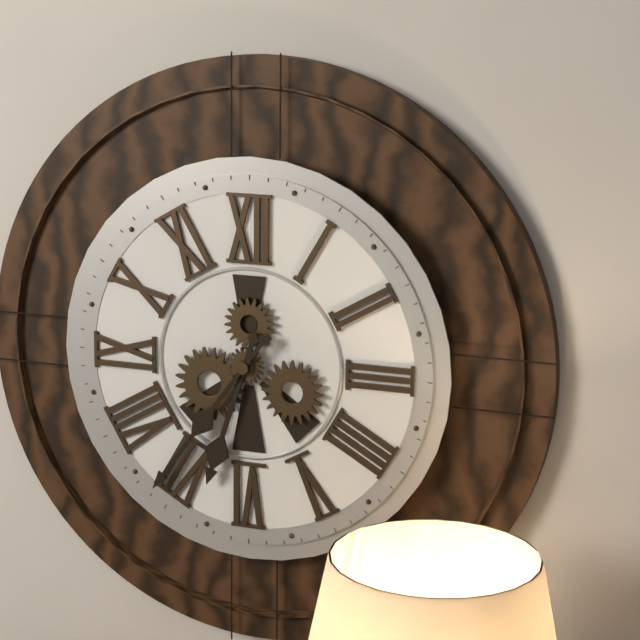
6.36
